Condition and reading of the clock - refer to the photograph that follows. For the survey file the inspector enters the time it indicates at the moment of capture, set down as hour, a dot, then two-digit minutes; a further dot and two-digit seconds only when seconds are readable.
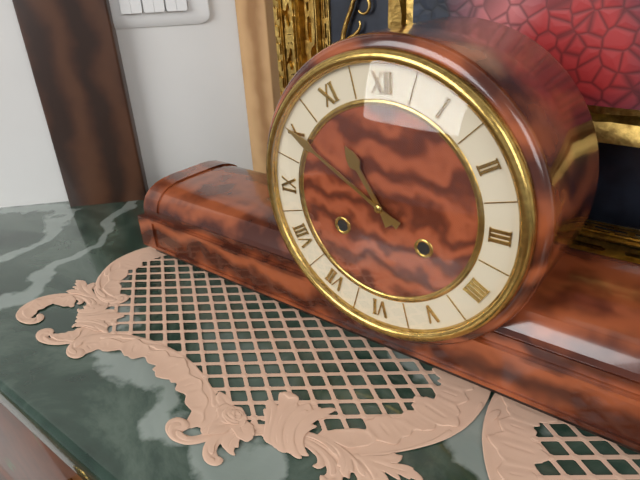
10.50
